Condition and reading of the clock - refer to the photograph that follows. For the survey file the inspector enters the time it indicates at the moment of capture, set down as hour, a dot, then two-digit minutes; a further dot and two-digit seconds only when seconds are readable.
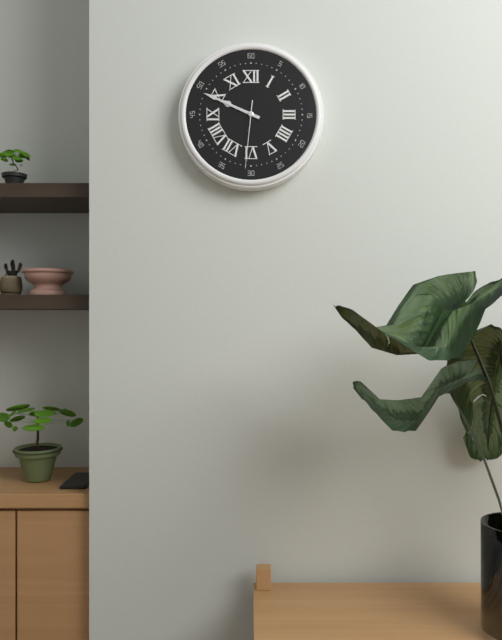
9.49.31
